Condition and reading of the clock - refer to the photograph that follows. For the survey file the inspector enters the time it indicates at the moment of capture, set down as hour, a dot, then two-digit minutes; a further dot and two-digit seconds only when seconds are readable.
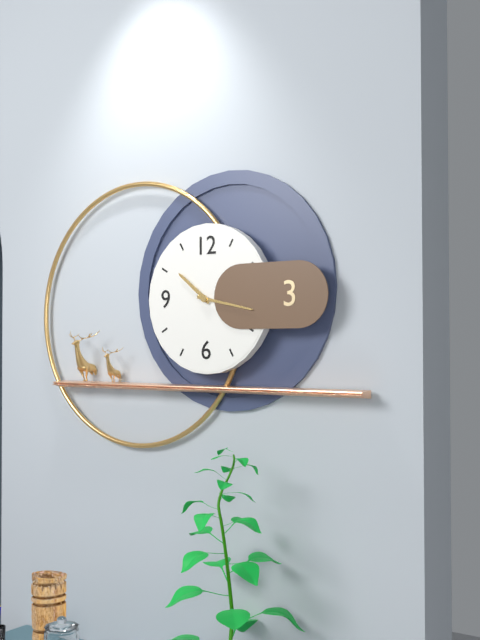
10.17
